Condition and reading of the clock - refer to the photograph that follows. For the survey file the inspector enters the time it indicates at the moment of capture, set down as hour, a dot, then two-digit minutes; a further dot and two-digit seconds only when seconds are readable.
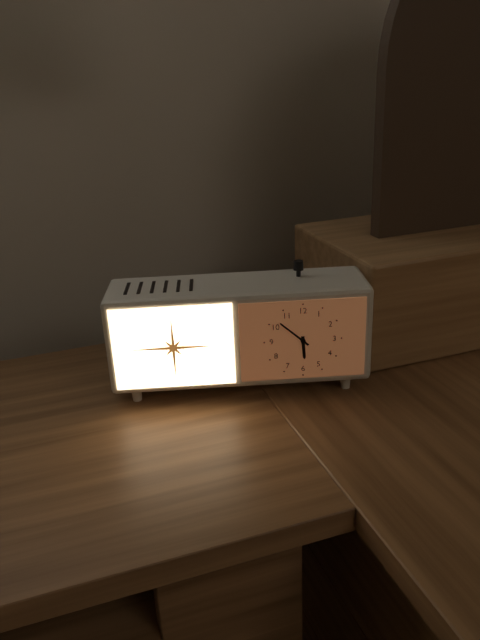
5.52
